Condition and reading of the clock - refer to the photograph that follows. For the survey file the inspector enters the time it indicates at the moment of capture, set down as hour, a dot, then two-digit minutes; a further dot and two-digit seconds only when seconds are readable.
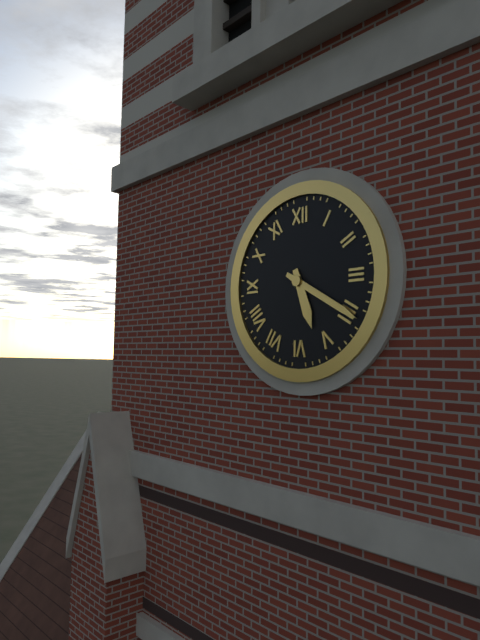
5.20
